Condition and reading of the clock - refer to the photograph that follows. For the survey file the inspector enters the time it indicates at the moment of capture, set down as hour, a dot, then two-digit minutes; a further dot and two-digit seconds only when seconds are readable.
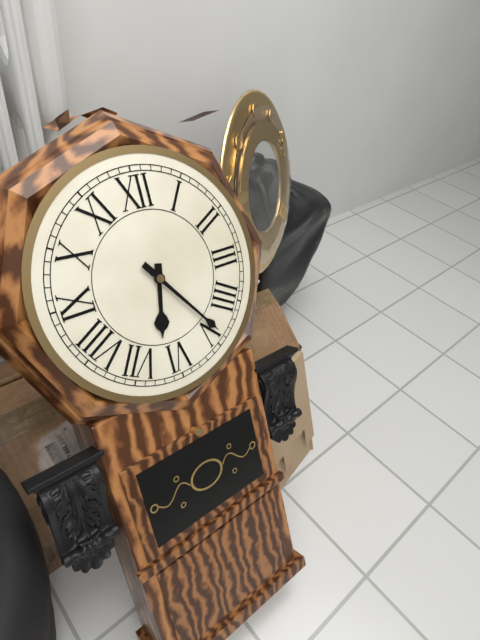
6.24
